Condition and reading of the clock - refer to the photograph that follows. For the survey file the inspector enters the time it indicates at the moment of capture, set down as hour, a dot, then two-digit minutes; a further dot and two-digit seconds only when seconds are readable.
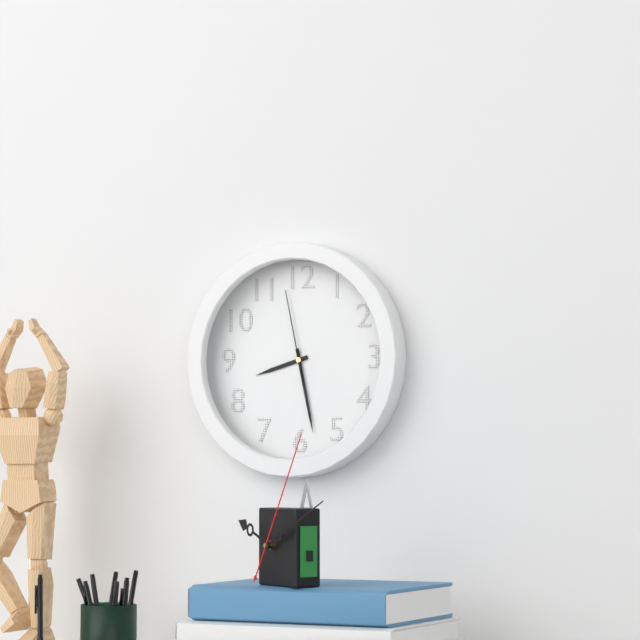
8.28.58
